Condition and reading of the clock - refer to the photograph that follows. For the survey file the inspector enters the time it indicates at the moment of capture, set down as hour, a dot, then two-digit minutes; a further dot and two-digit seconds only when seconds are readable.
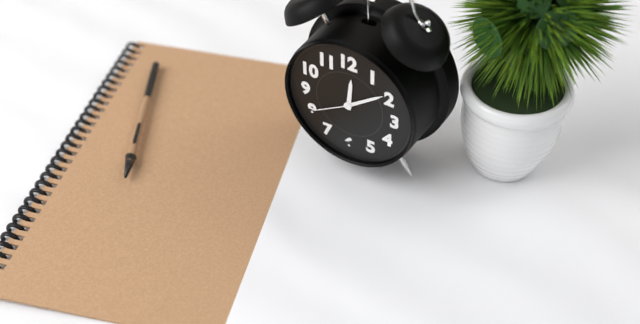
12.09
